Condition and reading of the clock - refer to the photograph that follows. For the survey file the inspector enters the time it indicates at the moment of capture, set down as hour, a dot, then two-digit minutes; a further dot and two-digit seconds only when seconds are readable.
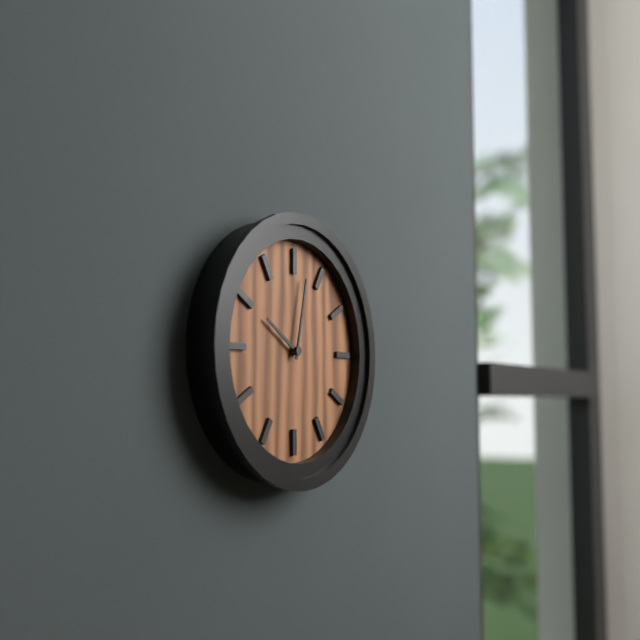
10.02
